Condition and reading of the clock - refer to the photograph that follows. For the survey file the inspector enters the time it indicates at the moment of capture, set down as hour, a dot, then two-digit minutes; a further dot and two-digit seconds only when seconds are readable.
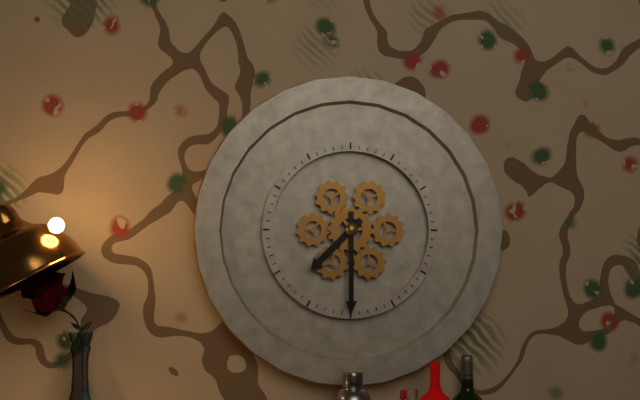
7.30
